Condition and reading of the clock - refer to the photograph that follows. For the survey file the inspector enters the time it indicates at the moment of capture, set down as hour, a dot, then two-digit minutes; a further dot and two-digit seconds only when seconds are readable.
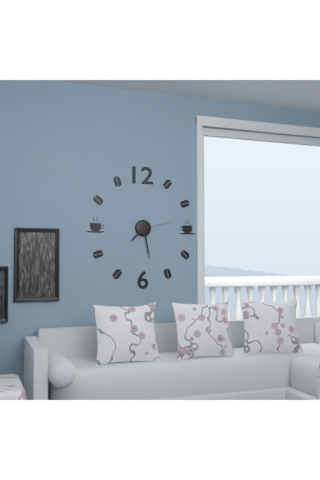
7.28
